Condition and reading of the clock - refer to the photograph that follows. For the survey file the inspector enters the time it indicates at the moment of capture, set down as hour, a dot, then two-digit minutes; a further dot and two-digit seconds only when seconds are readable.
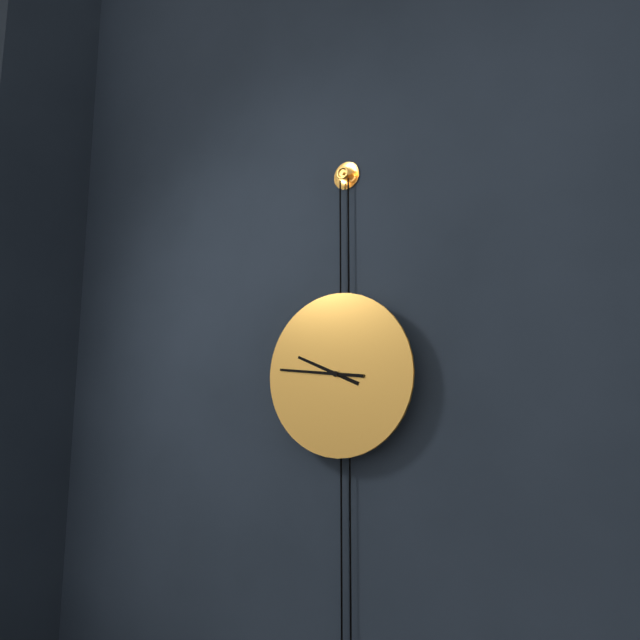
9.46
